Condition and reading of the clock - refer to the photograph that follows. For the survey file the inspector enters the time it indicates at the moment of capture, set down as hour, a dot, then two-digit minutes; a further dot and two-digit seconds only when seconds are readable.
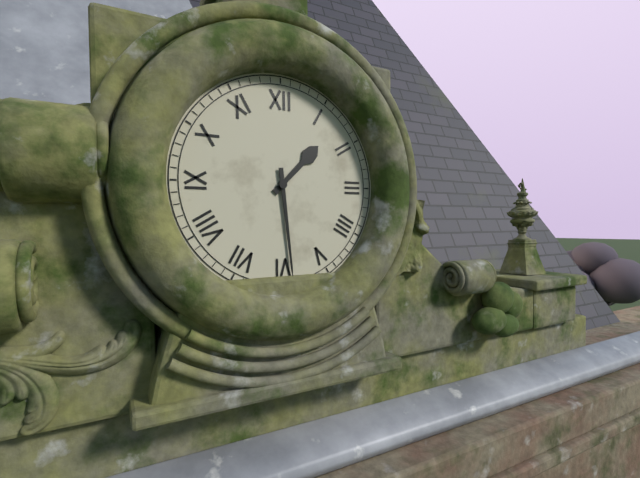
1.29
